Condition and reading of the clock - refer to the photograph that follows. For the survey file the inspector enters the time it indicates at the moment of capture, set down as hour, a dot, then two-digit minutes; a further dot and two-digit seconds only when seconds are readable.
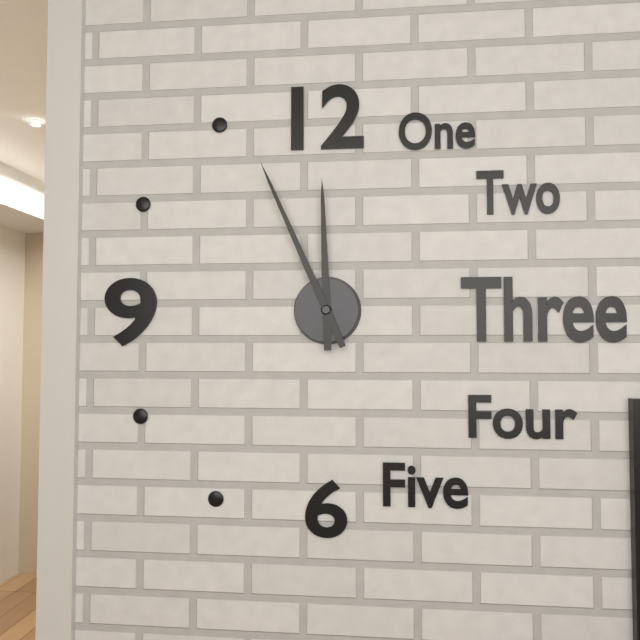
11.56
